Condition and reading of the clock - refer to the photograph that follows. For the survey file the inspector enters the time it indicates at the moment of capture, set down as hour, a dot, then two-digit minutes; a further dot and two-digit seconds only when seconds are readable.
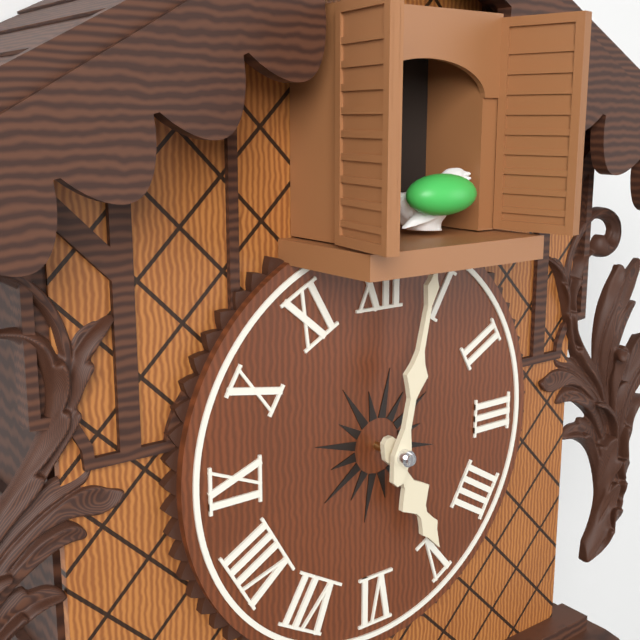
5.02
